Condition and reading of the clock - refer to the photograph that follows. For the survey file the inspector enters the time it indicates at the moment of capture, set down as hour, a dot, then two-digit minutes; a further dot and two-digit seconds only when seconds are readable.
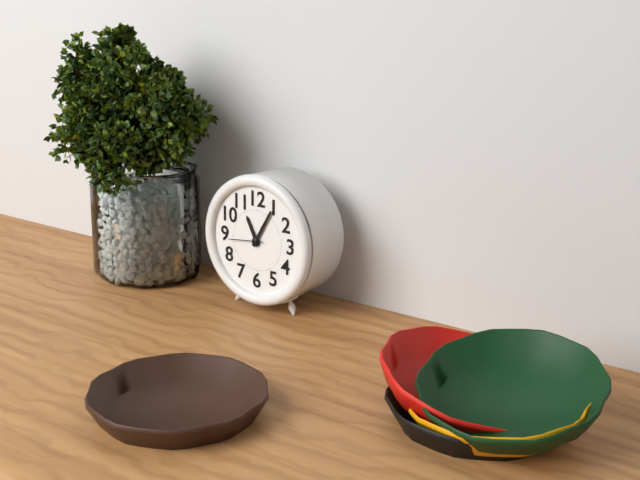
11.05
